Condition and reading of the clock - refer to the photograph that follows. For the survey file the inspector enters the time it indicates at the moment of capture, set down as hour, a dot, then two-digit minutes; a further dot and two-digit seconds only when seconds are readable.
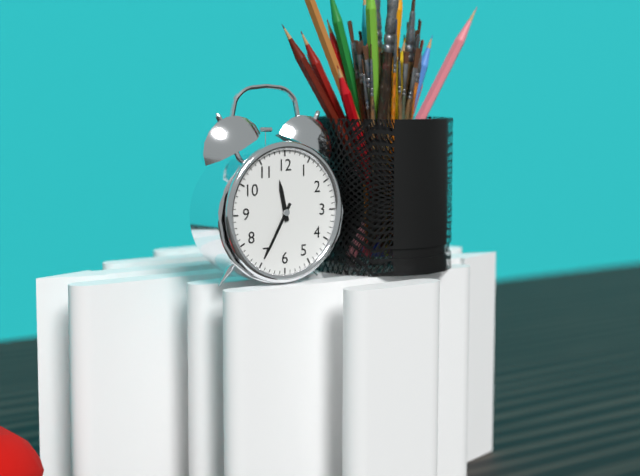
11.35
